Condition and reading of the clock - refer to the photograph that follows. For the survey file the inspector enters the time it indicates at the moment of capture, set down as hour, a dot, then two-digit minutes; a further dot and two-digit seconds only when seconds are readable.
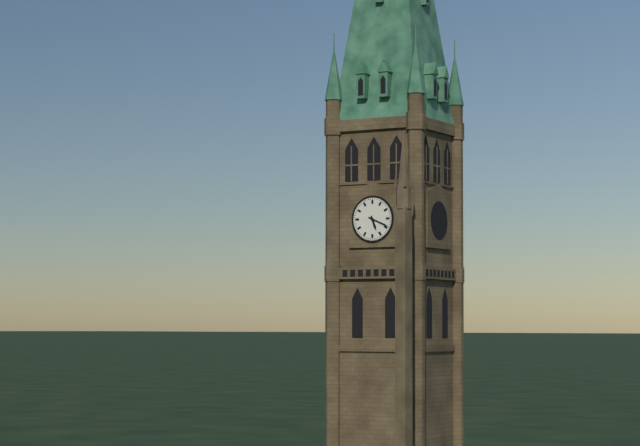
5.19
